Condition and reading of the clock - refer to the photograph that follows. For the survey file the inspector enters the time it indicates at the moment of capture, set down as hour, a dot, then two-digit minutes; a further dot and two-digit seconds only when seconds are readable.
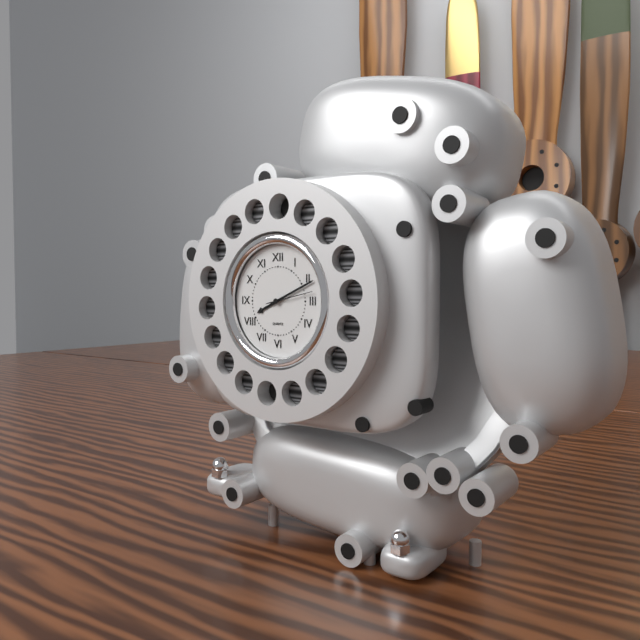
8.11
